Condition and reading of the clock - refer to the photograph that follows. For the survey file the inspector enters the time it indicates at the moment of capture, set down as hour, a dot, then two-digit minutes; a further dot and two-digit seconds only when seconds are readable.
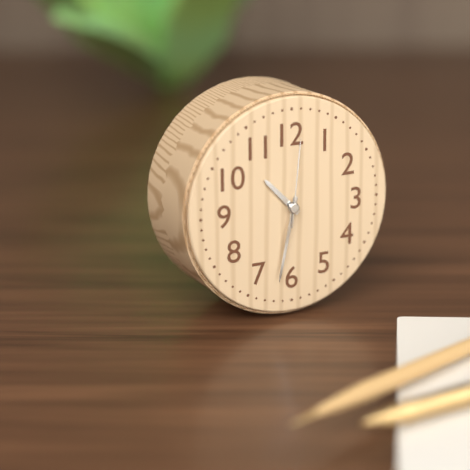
10.32.01
